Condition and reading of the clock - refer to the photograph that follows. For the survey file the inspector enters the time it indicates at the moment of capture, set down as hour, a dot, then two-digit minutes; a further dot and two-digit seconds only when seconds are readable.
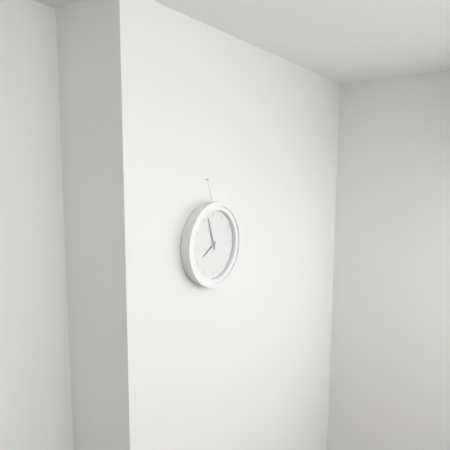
7.57
